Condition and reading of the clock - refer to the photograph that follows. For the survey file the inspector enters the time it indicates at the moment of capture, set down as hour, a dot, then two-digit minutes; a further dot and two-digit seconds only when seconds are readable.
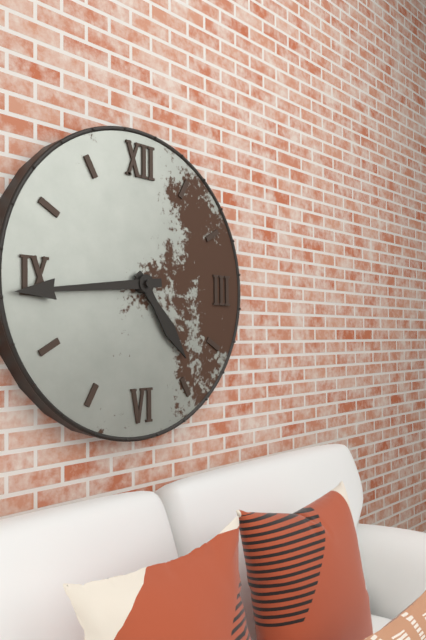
4.44
